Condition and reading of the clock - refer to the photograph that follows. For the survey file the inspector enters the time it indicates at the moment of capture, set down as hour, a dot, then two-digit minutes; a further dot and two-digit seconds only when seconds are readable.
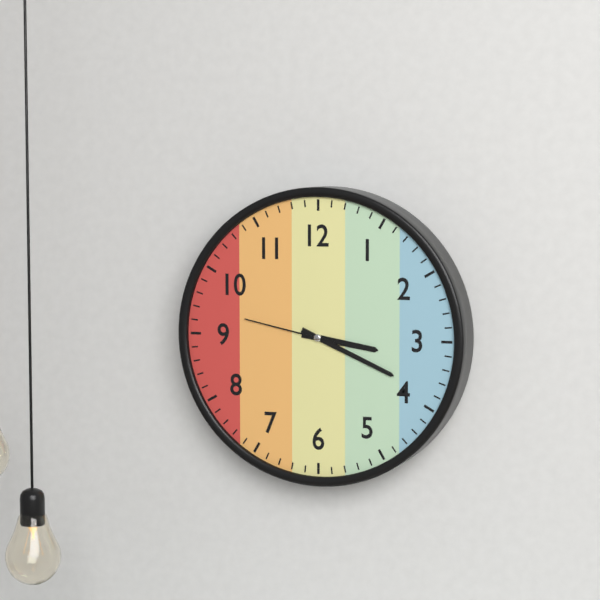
3.19.47
